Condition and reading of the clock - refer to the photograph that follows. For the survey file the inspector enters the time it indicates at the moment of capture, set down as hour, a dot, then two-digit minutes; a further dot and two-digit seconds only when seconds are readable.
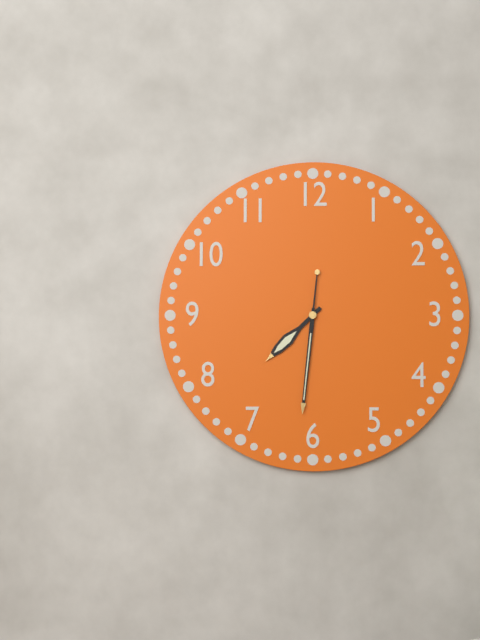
7.31
